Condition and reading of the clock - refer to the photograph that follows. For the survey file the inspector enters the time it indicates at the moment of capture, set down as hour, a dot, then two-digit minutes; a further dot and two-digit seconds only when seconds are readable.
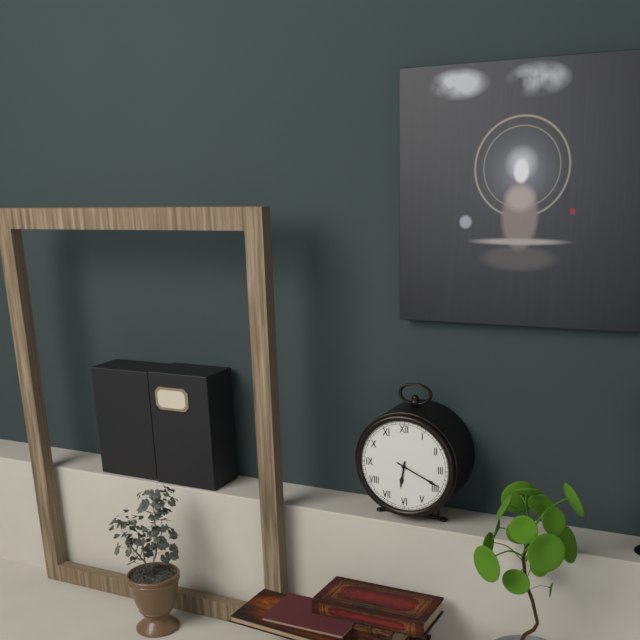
6.19
